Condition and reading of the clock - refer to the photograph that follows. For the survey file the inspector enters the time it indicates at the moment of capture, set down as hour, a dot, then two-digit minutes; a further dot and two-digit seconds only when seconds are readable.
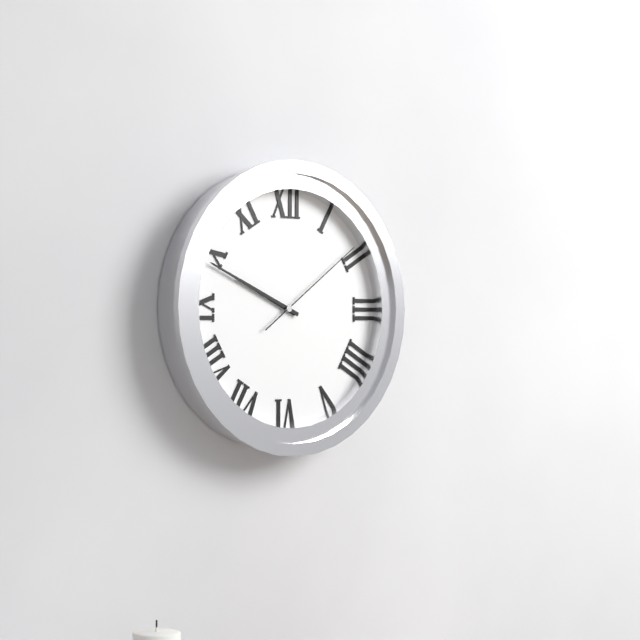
9.49.09
